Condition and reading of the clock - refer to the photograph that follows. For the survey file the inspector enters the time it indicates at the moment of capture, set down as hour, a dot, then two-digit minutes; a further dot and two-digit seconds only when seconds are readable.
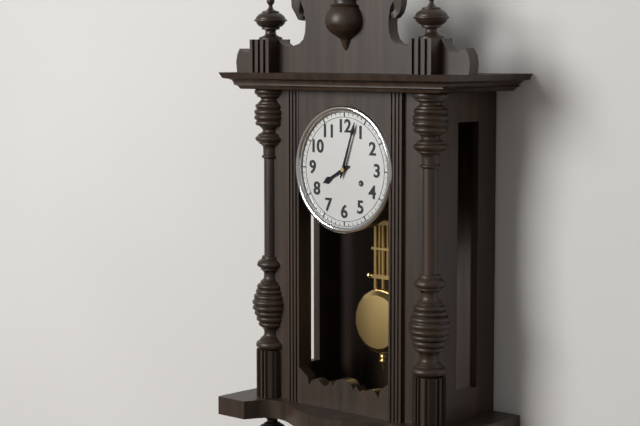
8.03
